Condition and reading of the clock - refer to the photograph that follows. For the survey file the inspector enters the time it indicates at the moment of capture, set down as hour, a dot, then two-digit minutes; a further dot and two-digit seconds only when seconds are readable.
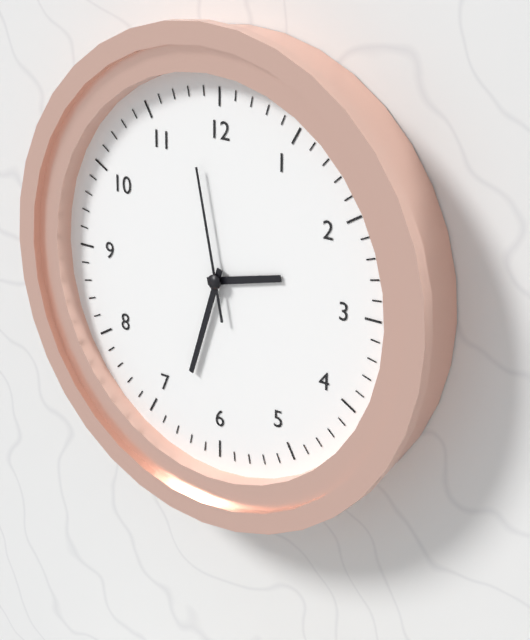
2.33.58
